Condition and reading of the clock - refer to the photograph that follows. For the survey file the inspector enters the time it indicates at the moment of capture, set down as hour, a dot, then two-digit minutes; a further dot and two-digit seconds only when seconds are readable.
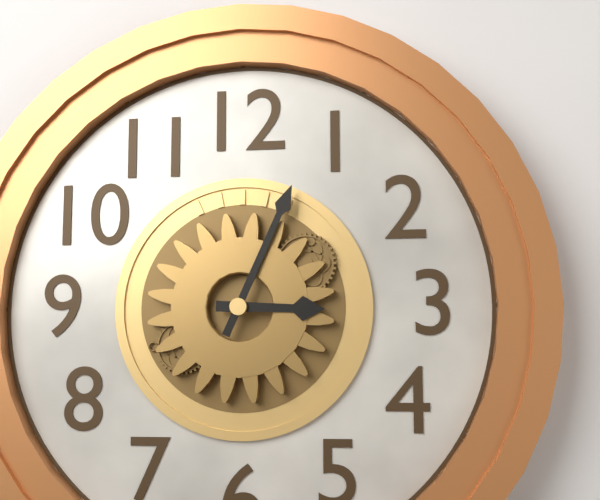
3.04
